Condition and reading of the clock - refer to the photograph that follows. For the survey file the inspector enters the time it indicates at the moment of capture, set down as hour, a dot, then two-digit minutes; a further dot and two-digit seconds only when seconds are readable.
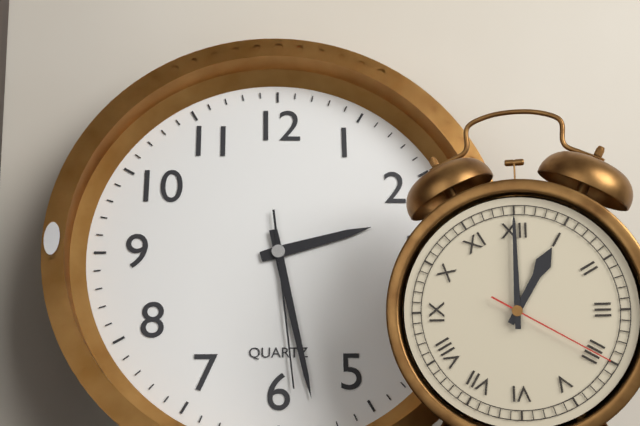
2.28.29
